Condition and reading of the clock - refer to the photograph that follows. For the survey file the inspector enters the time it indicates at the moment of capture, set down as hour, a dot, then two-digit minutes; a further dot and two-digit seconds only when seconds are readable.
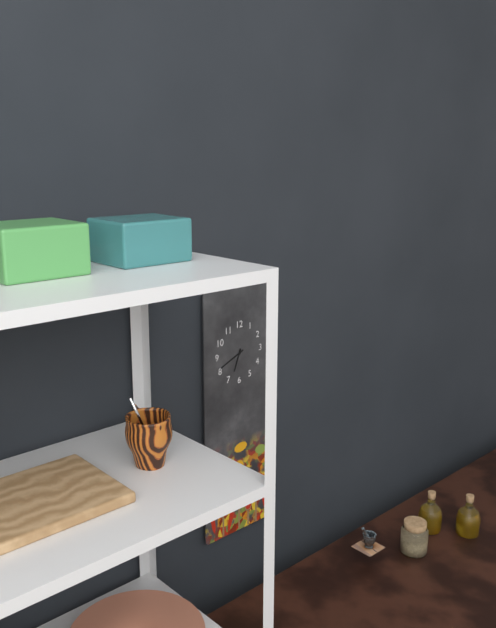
6.41
